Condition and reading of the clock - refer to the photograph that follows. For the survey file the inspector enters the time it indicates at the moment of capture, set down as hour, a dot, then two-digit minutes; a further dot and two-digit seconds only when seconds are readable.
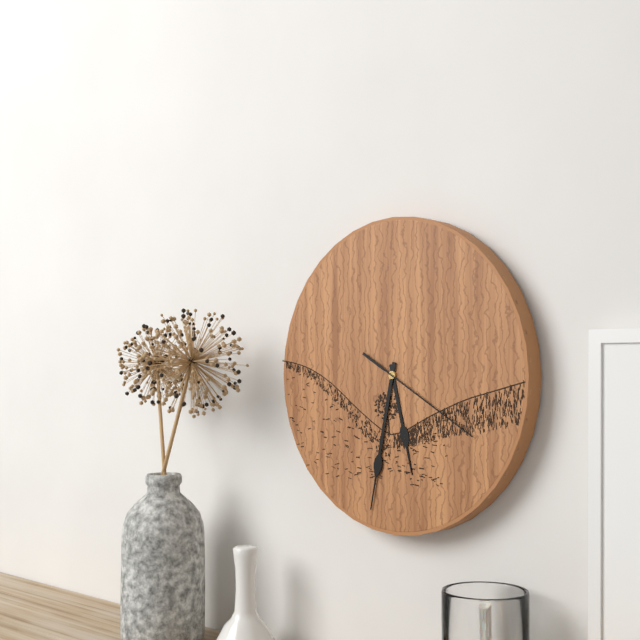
5.32.20
